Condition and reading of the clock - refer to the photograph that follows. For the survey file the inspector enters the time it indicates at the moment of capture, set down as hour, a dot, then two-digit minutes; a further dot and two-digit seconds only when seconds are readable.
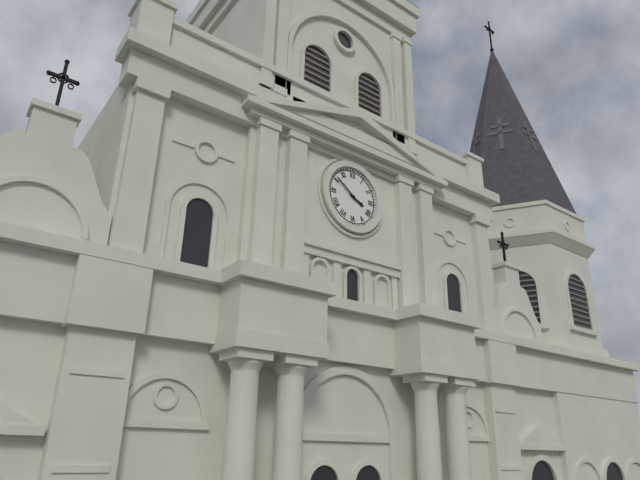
3.51
